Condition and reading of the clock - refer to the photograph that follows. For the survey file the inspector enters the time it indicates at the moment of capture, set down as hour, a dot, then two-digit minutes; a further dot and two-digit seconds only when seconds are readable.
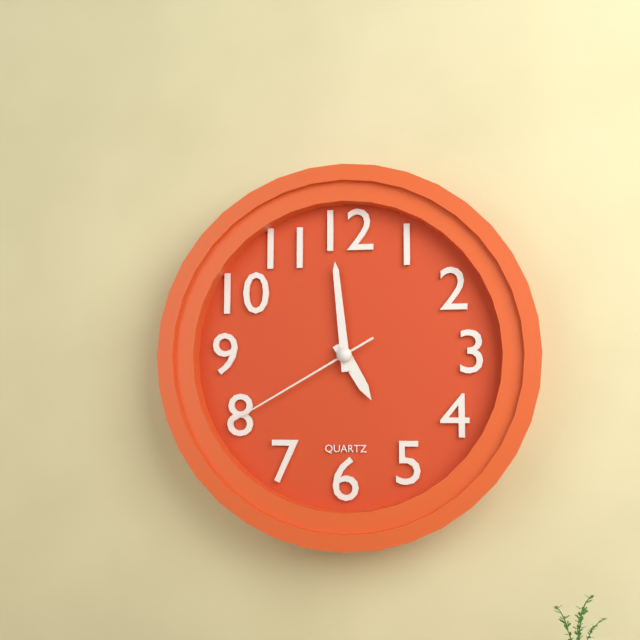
4.59.40
